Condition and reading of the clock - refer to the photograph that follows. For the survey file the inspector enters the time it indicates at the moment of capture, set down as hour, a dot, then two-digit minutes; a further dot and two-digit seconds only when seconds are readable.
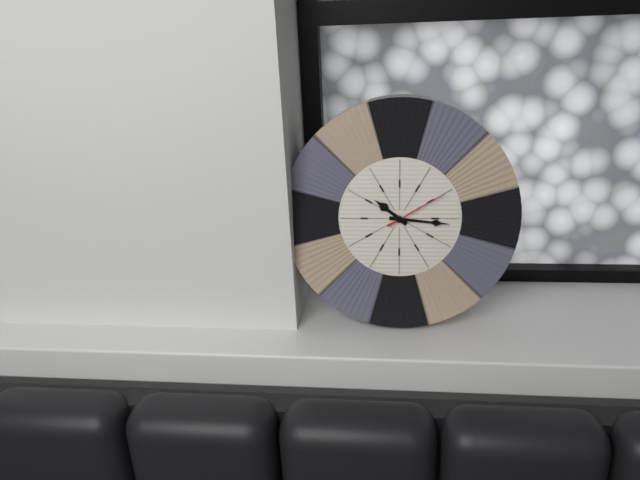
10.16.10
